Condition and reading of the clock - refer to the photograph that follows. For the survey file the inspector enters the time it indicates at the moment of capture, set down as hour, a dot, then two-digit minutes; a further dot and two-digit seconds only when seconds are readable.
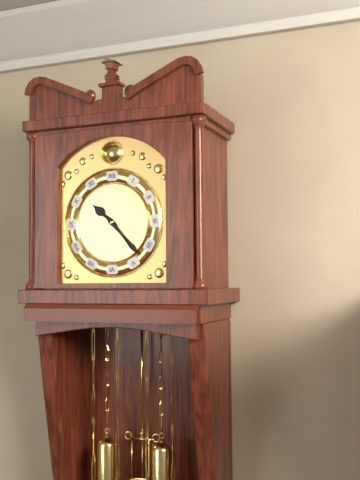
10.23
